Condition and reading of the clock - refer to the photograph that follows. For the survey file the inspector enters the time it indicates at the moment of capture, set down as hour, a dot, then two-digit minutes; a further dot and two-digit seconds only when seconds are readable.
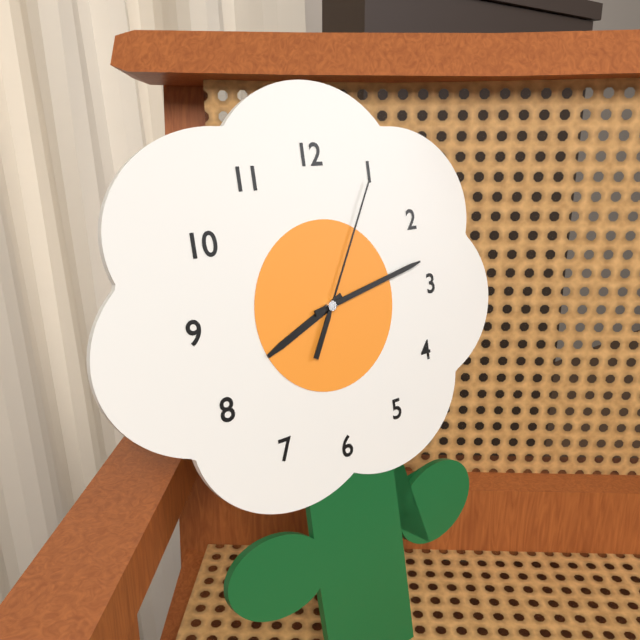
8.13.05
